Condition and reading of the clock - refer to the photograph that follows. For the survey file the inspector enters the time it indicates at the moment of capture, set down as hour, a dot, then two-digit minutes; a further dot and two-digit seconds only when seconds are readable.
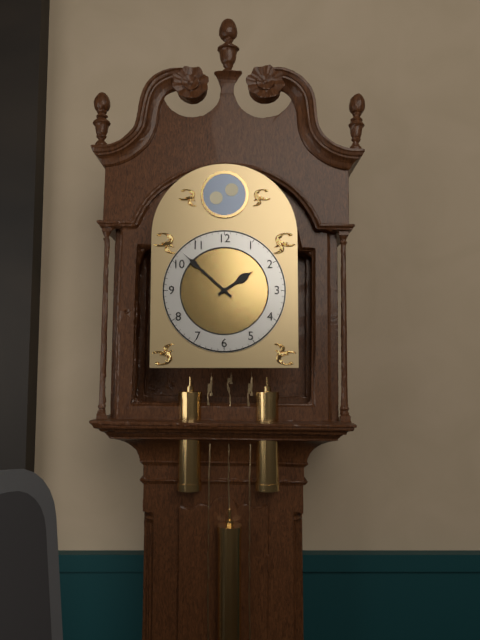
1.52
